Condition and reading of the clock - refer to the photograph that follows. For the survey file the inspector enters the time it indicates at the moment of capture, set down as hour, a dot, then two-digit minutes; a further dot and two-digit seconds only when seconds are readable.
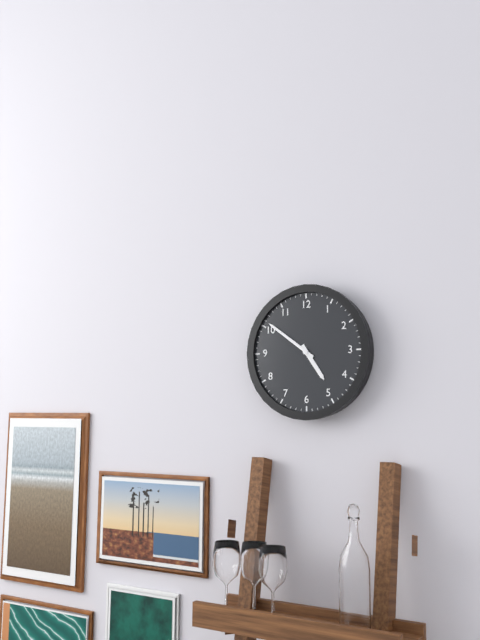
4.51
